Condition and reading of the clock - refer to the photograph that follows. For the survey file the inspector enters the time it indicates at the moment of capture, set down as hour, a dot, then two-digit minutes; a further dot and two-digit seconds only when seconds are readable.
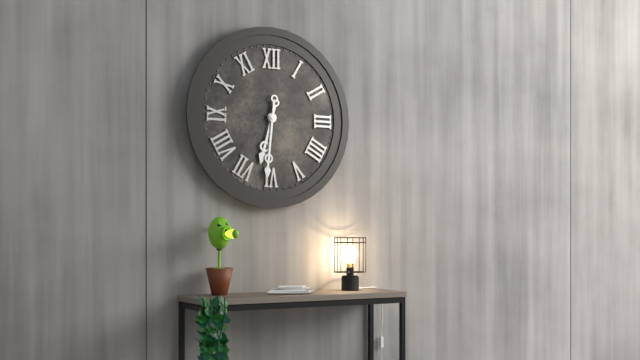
6.31
